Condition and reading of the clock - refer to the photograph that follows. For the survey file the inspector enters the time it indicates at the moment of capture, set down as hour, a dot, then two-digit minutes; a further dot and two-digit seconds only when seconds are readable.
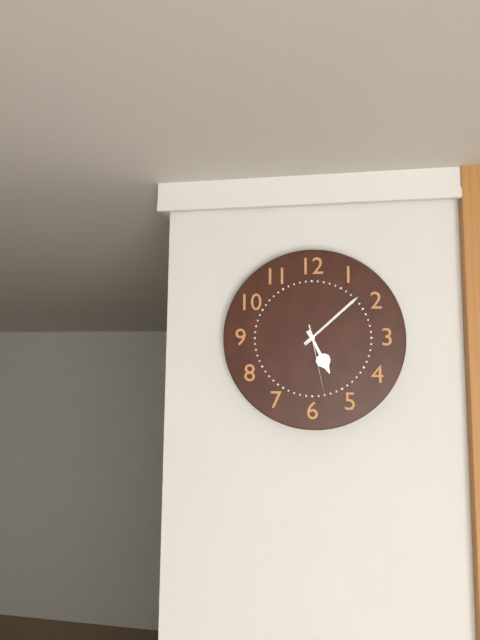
5.08.28
